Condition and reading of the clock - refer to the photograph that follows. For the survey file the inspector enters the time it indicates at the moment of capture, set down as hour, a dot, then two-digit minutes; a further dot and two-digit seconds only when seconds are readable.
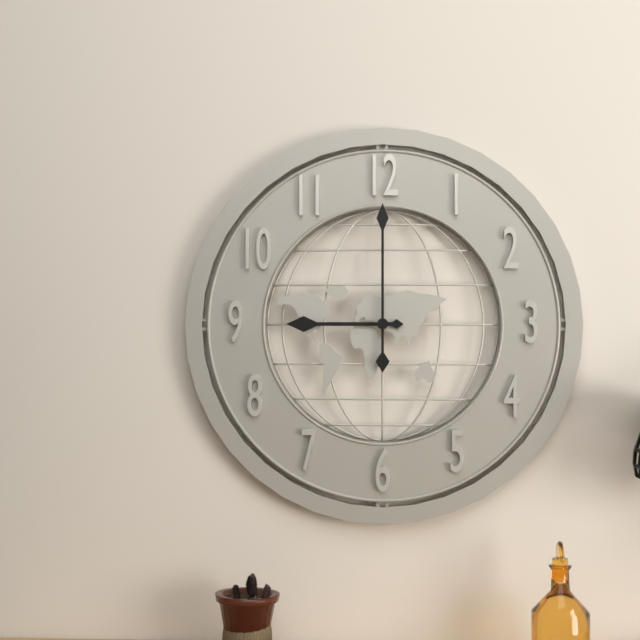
9.00
